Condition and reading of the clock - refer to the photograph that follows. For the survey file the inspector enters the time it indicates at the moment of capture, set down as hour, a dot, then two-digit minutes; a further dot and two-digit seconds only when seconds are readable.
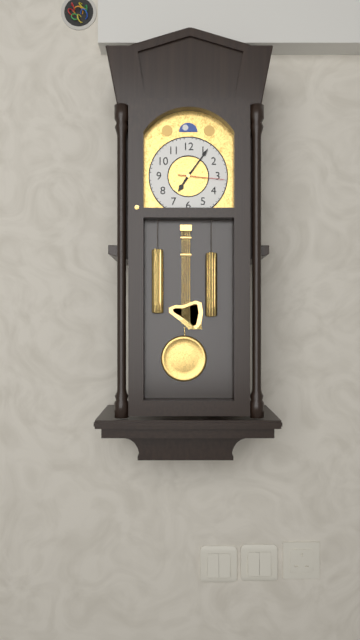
7.06
